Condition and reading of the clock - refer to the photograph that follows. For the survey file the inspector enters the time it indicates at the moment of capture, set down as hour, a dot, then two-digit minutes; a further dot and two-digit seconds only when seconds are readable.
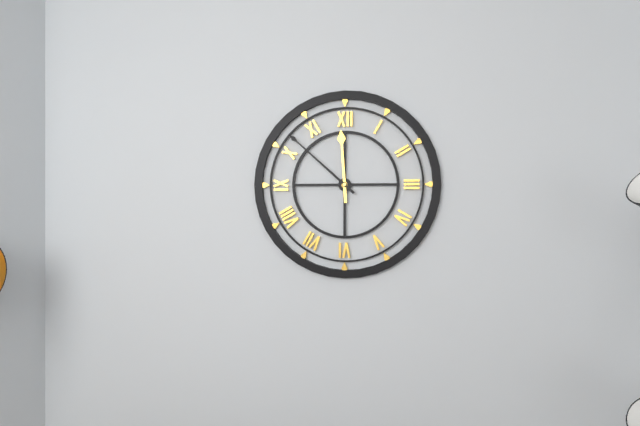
11.52
